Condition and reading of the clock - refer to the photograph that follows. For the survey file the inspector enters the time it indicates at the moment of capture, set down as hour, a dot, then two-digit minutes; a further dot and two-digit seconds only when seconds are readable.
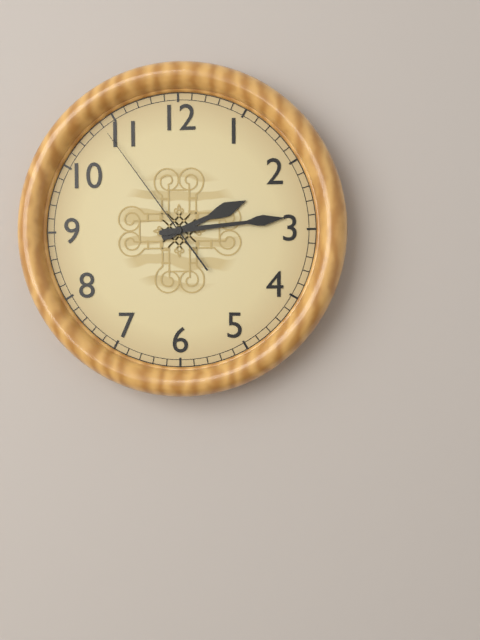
2.14.54
